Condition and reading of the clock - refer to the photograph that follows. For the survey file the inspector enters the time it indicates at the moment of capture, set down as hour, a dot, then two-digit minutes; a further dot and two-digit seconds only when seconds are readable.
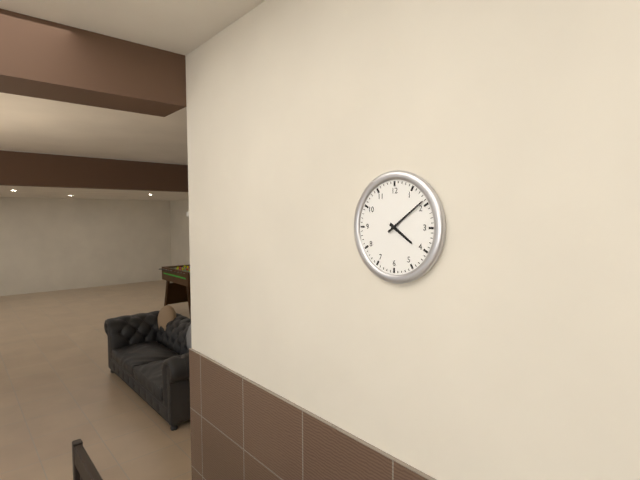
4.09
